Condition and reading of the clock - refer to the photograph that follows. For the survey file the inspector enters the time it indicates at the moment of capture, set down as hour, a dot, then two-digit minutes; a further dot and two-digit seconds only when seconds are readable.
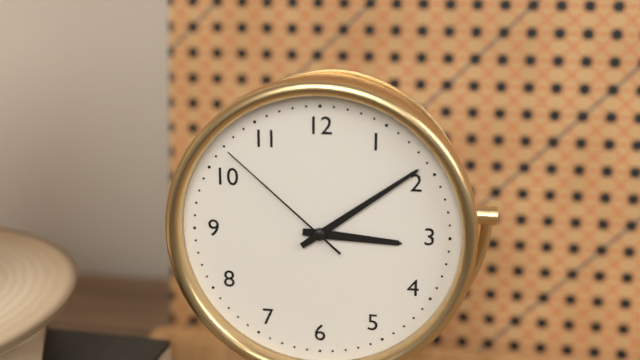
3.09.52
